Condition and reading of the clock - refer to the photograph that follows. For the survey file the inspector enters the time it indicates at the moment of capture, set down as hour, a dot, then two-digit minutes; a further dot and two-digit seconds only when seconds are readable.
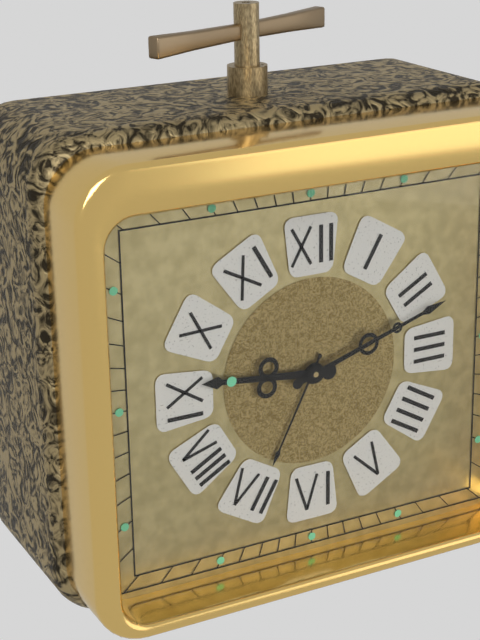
9.12
